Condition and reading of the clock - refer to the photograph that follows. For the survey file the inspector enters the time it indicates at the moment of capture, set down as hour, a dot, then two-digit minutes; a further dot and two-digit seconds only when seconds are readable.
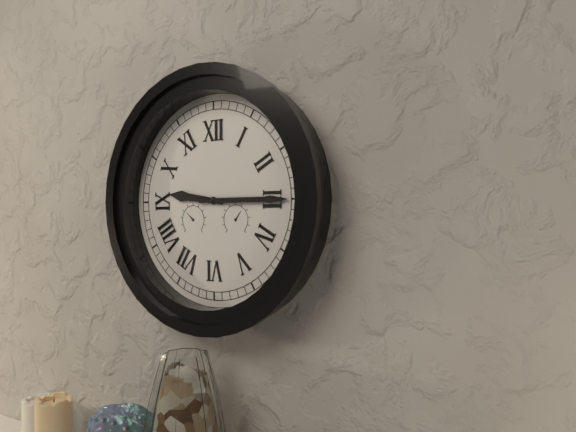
9.15
